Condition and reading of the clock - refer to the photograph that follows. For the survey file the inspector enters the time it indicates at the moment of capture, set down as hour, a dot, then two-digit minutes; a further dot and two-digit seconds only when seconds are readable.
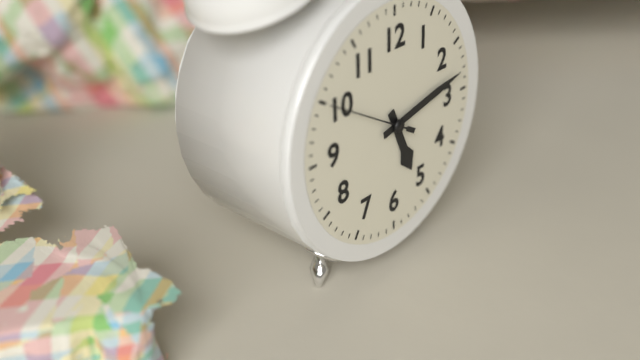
5.13.50
